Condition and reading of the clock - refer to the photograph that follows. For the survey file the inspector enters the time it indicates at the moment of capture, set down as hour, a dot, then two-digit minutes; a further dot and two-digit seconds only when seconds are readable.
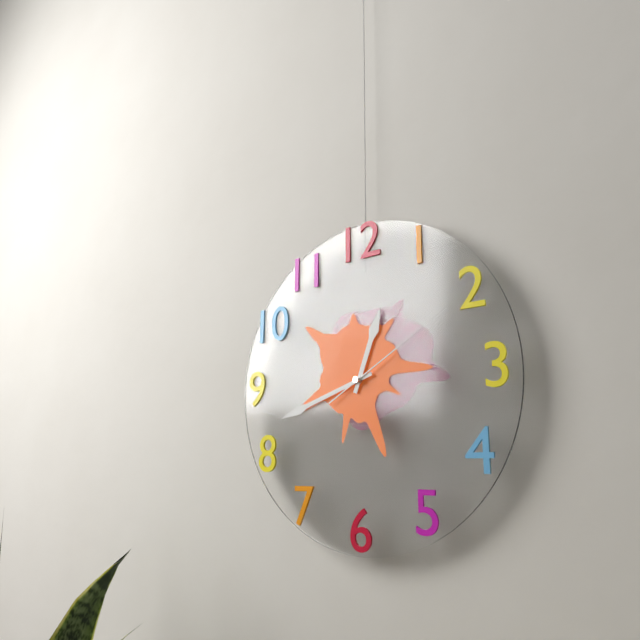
12.42.10
